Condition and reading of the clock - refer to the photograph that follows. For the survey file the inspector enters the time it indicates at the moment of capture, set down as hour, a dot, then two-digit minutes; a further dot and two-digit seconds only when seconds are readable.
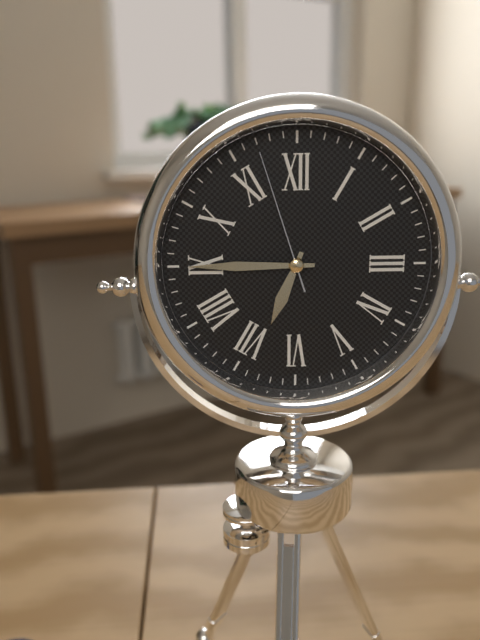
6.45.57
